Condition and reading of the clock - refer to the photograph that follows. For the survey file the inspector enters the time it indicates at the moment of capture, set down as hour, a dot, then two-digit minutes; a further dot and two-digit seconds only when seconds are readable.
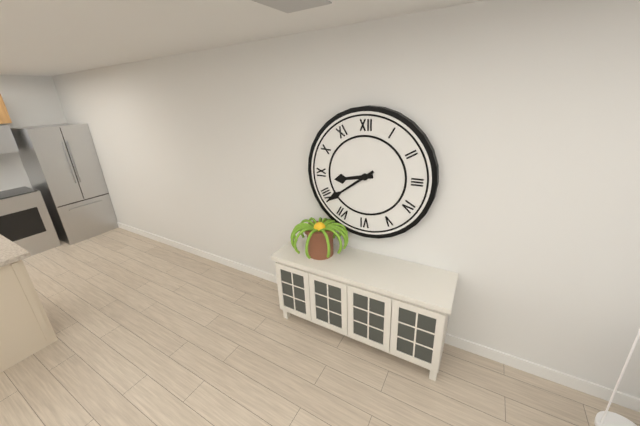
8.39
